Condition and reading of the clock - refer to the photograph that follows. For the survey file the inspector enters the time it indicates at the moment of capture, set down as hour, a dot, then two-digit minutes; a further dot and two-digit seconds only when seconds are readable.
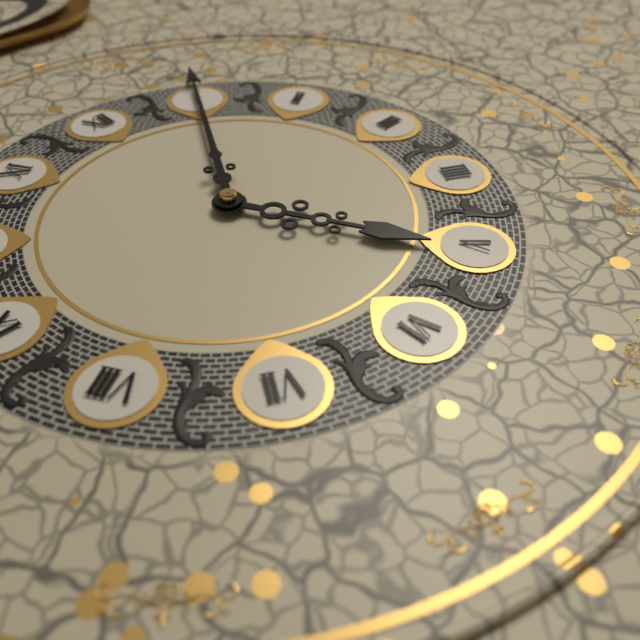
5.05
